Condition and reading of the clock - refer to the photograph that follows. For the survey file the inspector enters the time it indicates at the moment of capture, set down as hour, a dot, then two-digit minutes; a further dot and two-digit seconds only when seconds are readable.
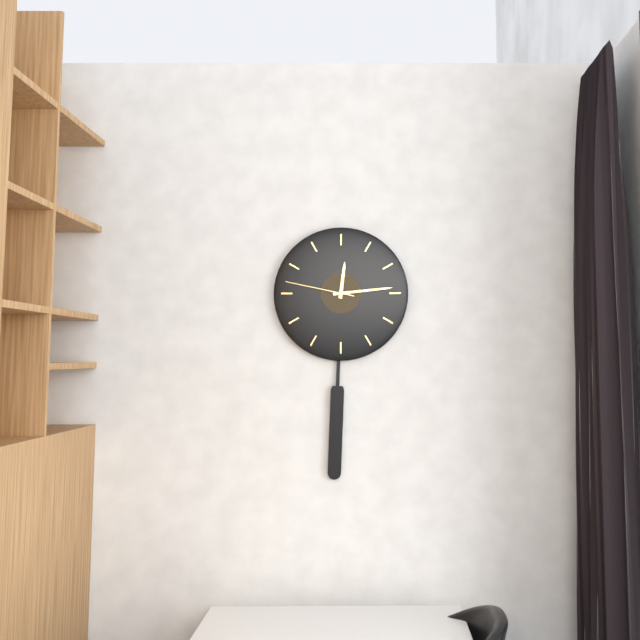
12.14.47
